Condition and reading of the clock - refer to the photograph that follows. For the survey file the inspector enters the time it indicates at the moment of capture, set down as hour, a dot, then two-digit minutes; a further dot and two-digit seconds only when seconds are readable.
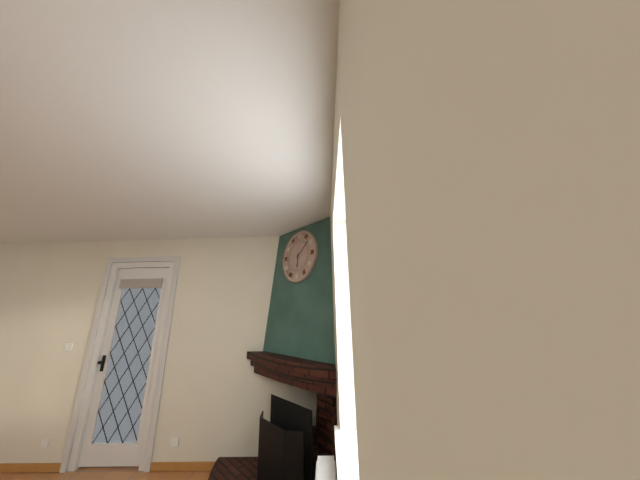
6.08
